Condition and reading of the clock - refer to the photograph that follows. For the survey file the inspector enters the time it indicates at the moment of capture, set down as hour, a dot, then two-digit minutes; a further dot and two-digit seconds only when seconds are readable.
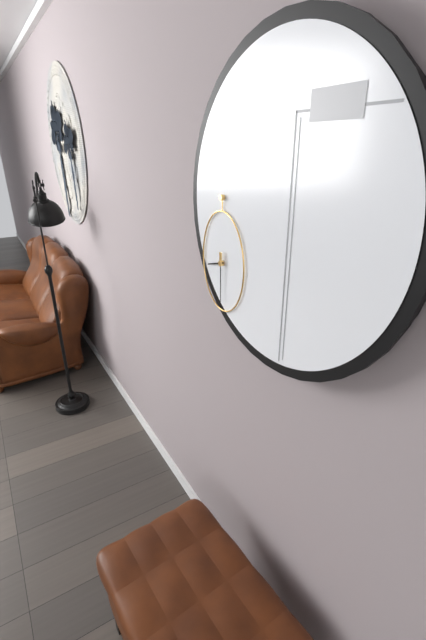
8.30
